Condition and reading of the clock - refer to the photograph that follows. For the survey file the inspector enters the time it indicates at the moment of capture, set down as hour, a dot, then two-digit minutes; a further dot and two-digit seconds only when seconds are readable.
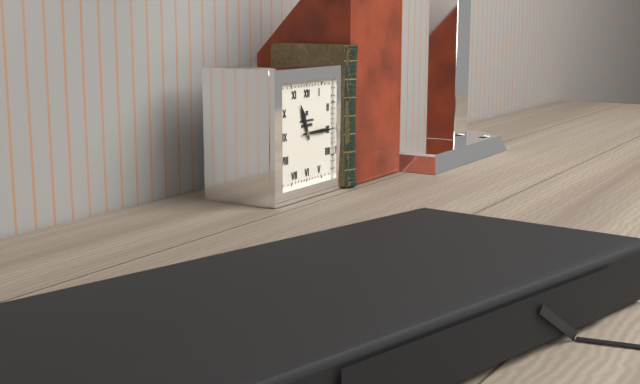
11.15
